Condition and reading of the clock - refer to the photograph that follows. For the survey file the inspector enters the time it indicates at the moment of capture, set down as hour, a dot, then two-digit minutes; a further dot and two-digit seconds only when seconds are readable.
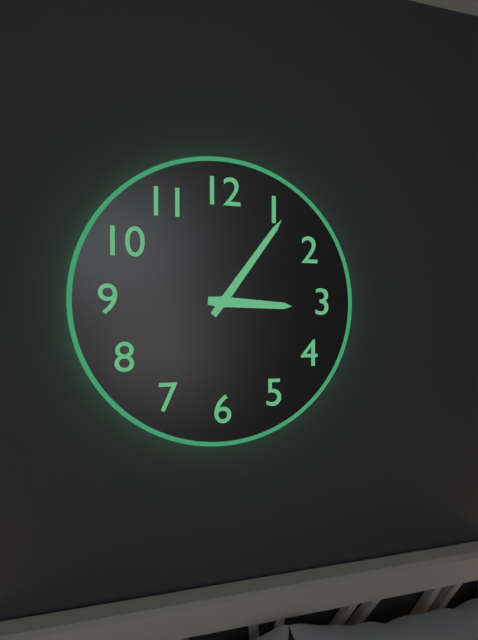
3.06
